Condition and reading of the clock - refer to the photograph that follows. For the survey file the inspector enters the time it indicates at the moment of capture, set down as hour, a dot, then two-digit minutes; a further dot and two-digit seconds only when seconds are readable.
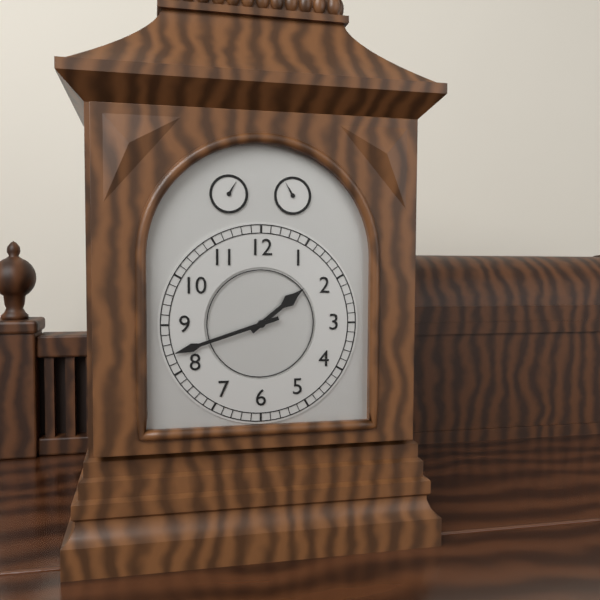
1.42
